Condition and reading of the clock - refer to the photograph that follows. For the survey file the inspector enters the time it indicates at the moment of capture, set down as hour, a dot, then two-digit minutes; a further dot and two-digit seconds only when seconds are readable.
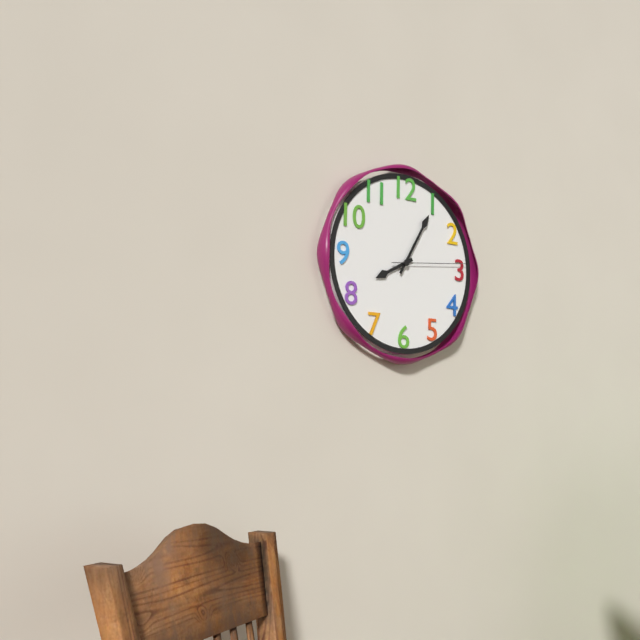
8.05.14
